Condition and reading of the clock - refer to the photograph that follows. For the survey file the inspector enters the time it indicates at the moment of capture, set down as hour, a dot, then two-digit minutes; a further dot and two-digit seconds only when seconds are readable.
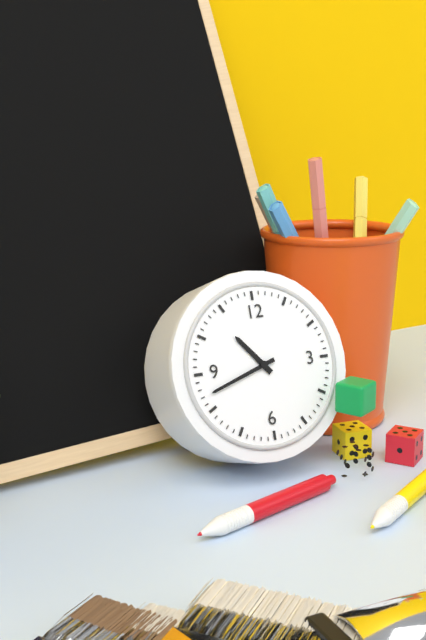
10.42
